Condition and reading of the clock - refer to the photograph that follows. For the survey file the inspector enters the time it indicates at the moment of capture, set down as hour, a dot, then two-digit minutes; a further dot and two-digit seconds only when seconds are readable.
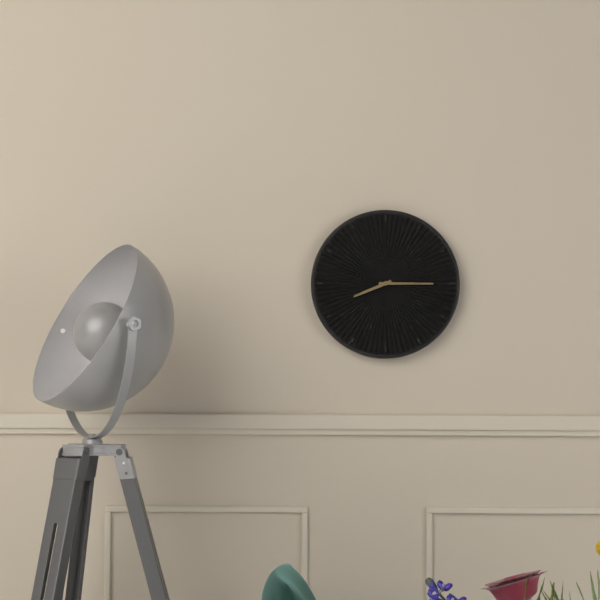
8.15
